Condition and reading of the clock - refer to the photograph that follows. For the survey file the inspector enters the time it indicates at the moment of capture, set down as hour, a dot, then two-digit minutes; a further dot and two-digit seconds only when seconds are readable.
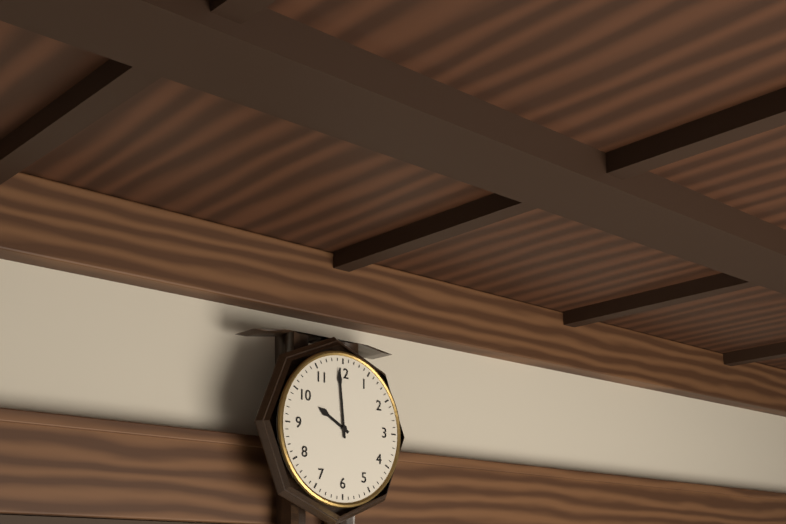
9.59
